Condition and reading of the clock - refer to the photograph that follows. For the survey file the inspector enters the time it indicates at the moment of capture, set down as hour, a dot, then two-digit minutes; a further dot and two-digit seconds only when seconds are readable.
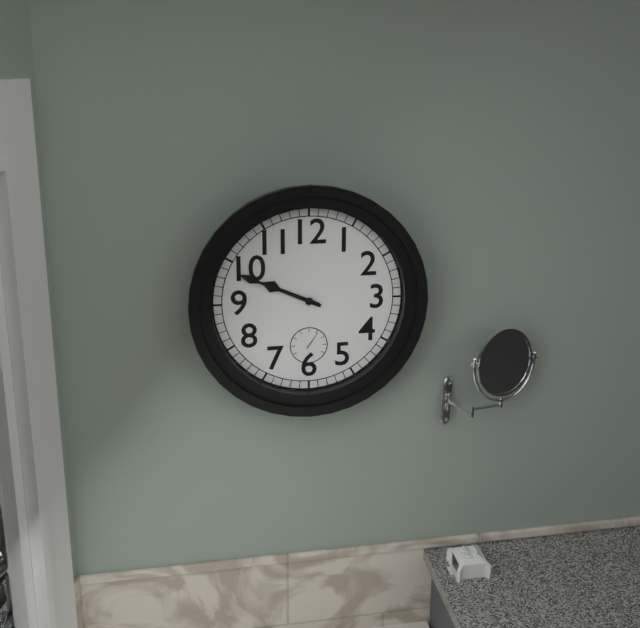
9.49
